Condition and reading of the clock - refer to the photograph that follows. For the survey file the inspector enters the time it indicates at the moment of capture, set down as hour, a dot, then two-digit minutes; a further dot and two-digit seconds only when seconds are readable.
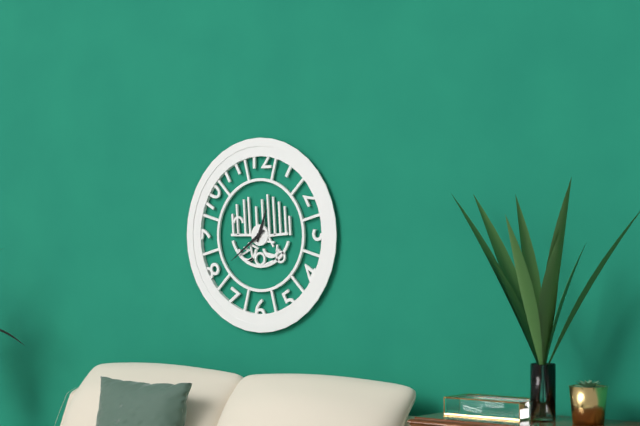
12.39
